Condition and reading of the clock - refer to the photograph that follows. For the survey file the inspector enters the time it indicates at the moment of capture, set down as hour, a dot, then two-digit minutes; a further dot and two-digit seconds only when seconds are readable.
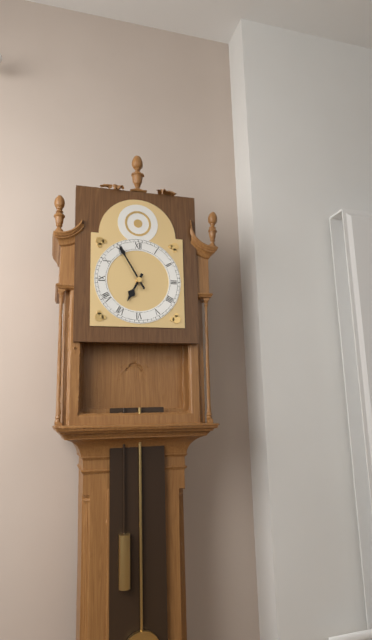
6.55
